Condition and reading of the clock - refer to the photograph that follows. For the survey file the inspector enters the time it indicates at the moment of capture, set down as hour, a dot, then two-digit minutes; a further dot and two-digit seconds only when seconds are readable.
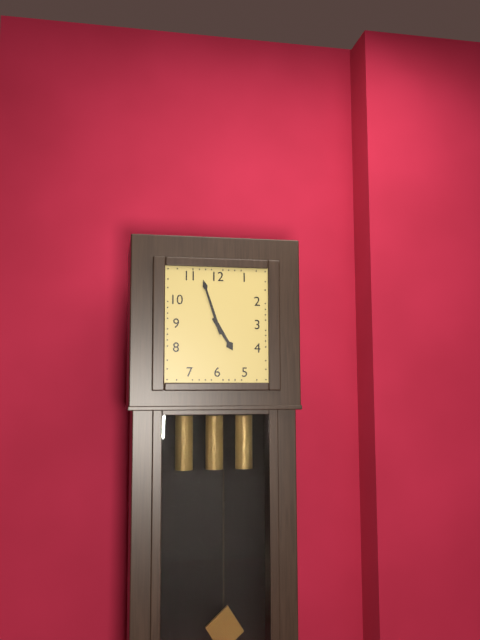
4.57
